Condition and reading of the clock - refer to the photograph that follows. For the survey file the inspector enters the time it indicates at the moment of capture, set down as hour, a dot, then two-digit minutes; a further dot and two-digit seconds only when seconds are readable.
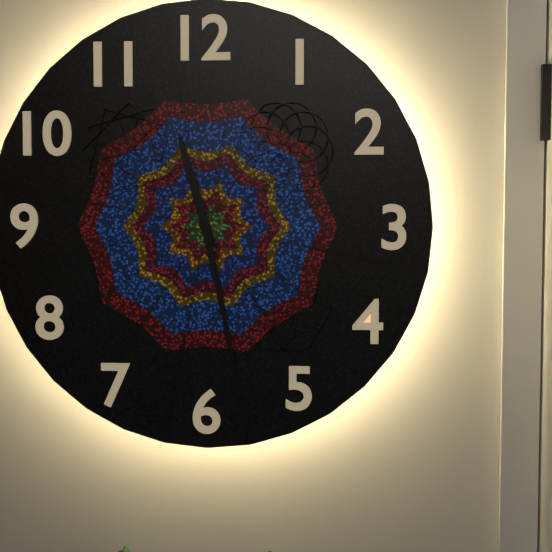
11.28
